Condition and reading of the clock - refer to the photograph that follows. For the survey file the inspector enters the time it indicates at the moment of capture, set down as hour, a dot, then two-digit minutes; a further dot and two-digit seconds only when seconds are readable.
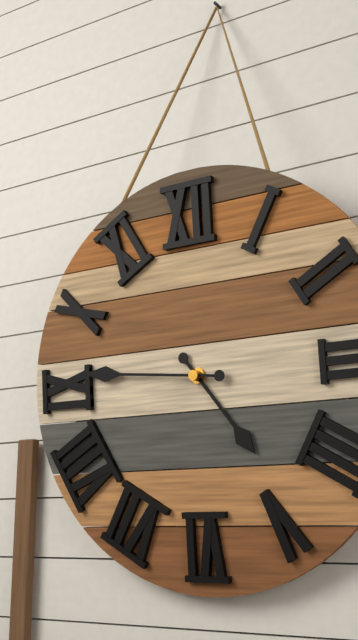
4.46
